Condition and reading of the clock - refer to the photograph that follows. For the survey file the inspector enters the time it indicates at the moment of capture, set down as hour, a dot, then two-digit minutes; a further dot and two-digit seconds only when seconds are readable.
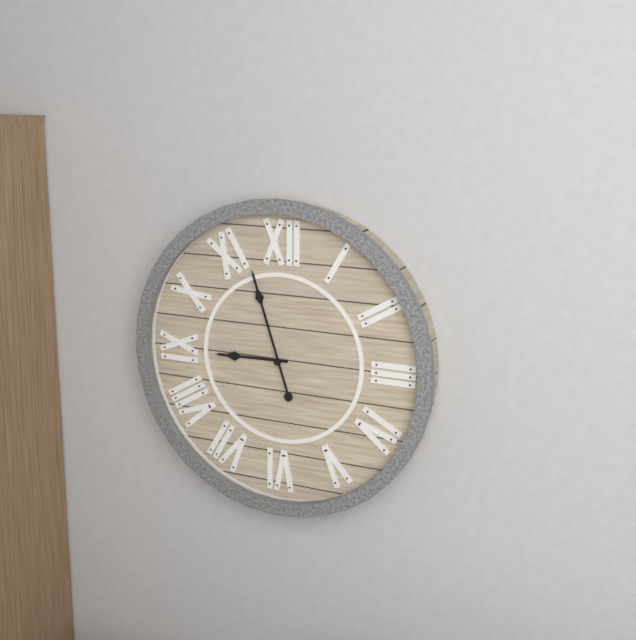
8.57
